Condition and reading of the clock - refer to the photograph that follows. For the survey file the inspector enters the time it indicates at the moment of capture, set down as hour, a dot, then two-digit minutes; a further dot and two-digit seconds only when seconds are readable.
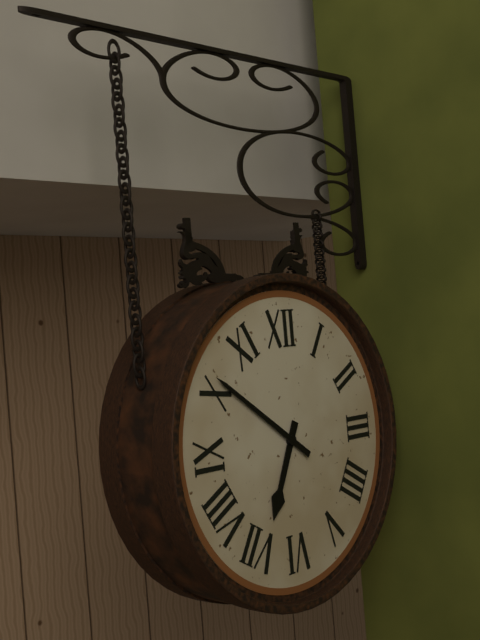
6.51
